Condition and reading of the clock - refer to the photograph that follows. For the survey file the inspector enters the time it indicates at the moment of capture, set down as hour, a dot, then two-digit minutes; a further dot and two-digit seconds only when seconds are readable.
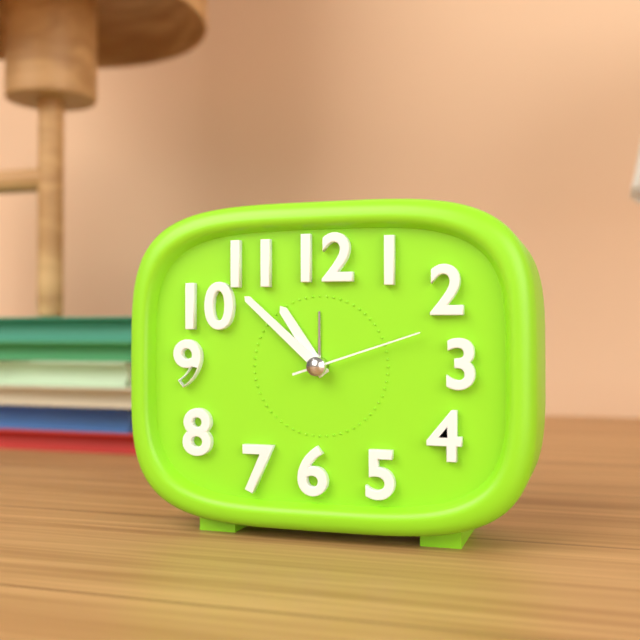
10.52.12
